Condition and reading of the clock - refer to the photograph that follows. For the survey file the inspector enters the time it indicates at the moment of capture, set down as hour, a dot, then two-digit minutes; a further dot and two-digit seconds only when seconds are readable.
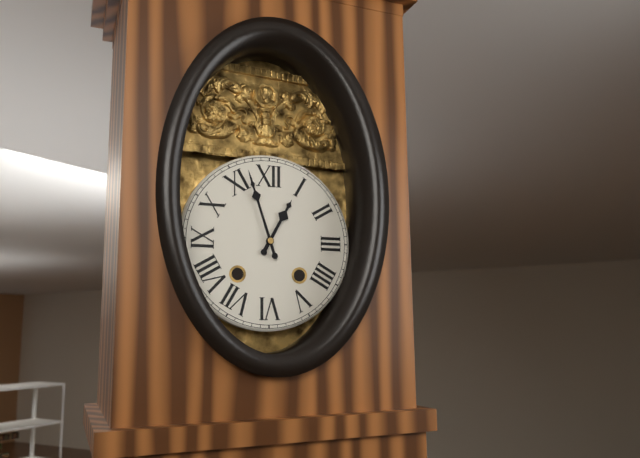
12.57
